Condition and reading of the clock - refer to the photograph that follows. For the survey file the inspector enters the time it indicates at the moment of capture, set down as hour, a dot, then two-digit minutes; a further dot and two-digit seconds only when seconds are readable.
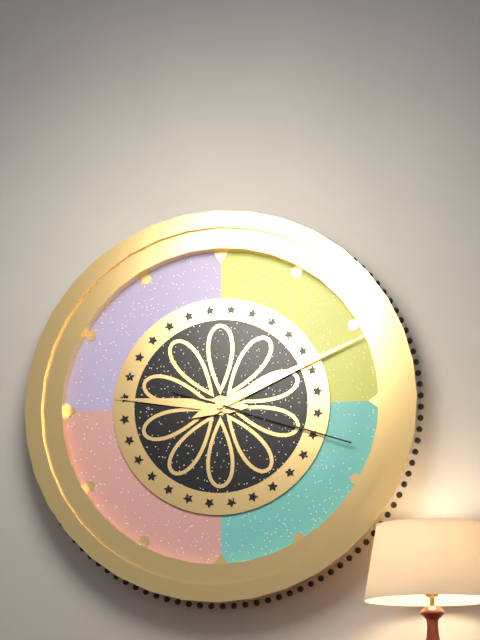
9.11.18
